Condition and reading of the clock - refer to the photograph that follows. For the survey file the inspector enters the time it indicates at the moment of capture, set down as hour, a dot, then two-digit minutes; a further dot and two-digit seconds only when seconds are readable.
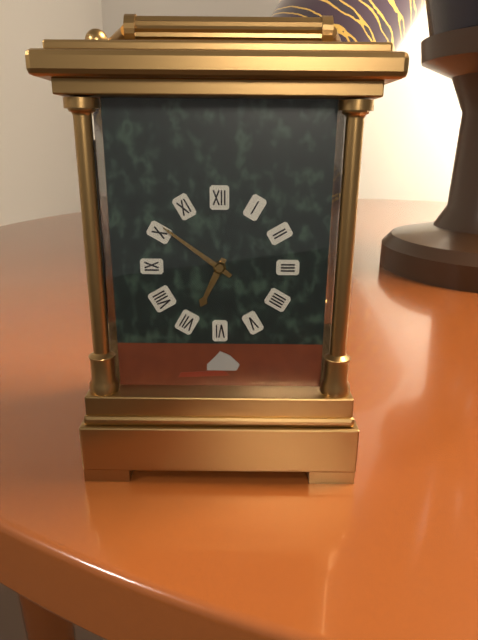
6.51
